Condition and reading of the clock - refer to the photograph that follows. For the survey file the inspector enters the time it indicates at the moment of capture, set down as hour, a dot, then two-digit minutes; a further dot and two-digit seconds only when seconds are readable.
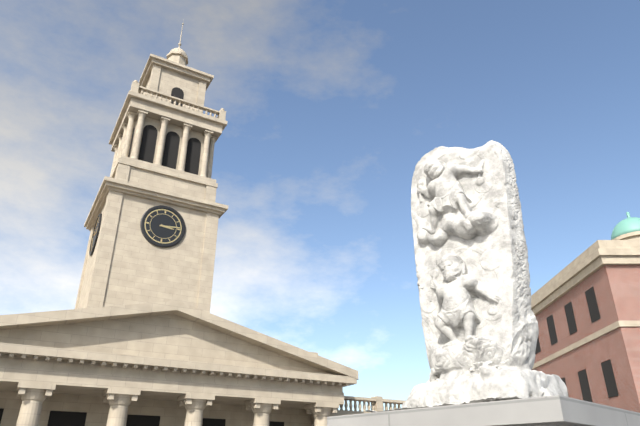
3.14
